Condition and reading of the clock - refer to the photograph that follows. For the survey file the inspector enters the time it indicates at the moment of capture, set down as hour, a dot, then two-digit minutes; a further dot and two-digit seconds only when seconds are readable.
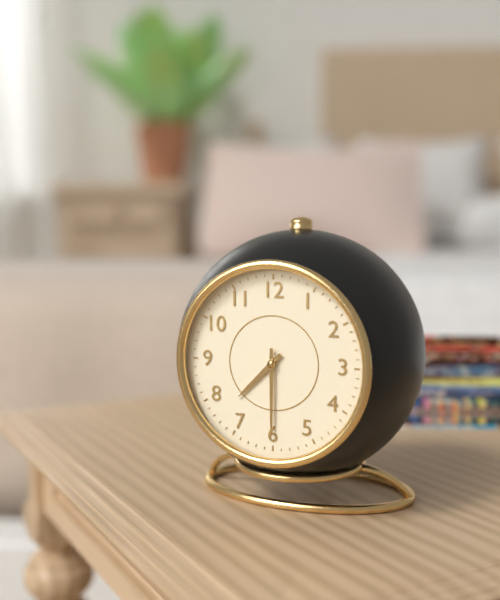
7.30
